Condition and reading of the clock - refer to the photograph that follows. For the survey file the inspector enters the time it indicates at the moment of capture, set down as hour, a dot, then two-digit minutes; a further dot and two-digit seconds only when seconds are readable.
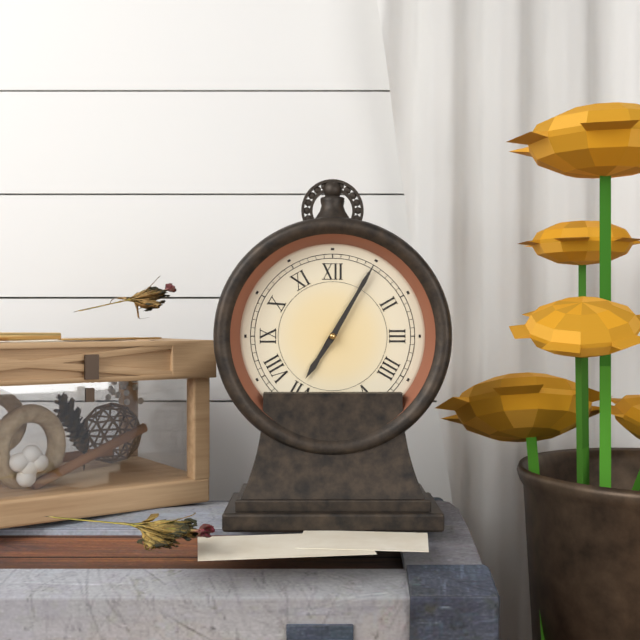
7.05
